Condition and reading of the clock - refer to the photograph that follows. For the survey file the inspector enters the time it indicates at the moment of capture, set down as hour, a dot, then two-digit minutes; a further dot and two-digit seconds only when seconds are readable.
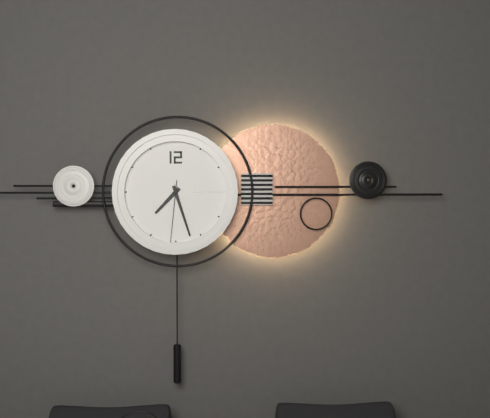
7.27.31
